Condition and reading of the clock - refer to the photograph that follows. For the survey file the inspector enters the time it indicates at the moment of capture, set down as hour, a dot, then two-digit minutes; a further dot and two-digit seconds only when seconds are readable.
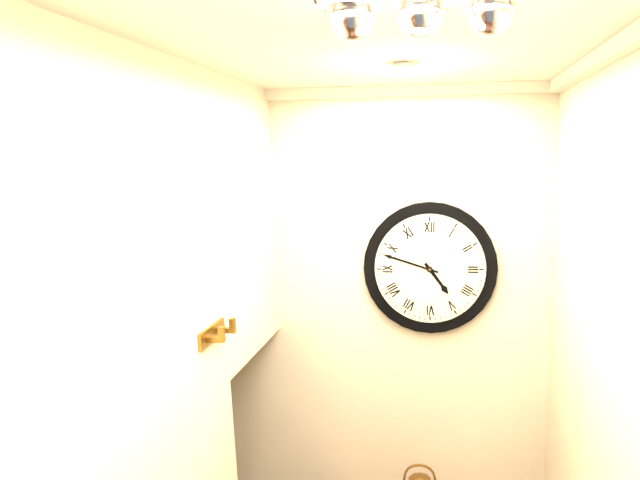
4.48
